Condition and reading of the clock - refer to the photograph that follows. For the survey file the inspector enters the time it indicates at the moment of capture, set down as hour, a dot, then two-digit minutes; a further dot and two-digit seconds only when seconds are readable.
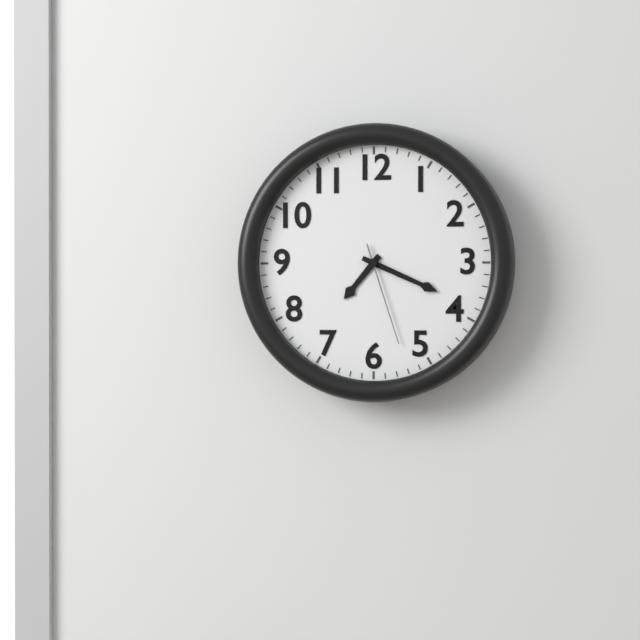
7.19.27
